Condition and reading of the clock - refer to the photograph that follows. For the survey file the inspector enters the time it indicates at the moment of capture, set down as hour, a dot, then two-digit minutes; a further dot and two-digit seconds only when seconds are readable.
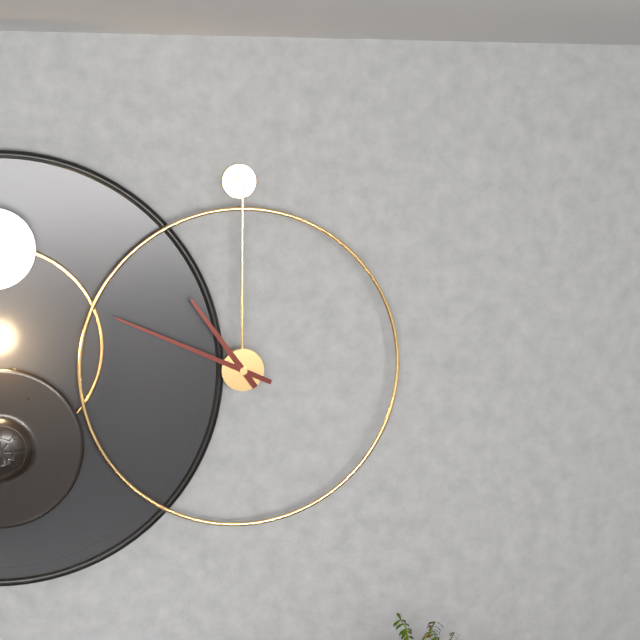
10.49
